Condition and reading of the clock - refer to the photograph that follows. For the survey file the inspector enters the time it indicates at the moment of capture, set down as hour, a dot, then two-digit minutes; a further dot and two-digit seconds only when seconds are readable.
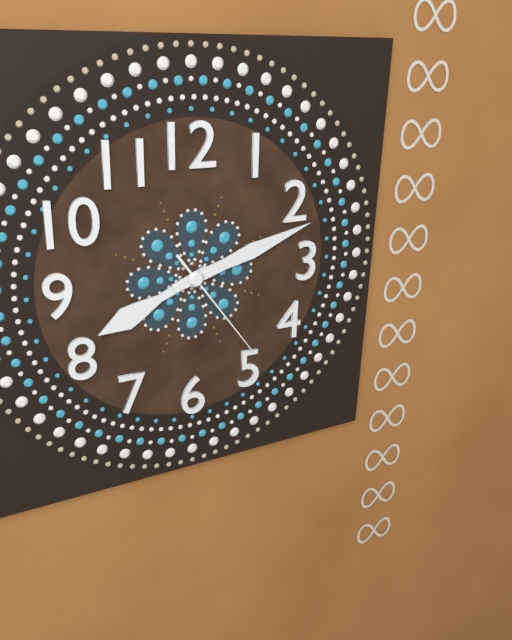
8.12.24
